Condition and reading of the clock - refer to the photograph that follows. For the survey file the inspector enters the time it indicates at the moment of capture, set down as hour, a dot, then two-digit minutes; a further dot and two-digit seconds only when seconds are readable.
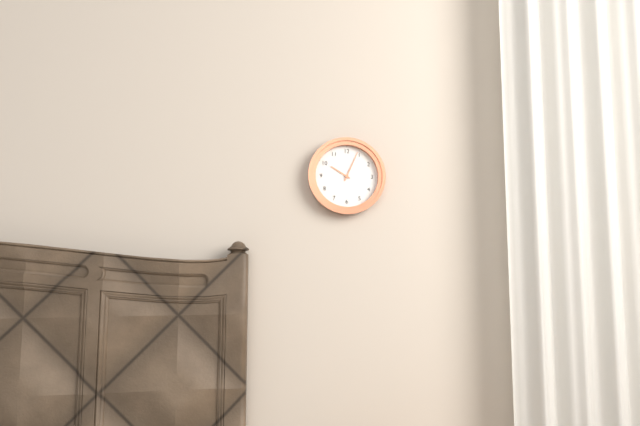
10.04
